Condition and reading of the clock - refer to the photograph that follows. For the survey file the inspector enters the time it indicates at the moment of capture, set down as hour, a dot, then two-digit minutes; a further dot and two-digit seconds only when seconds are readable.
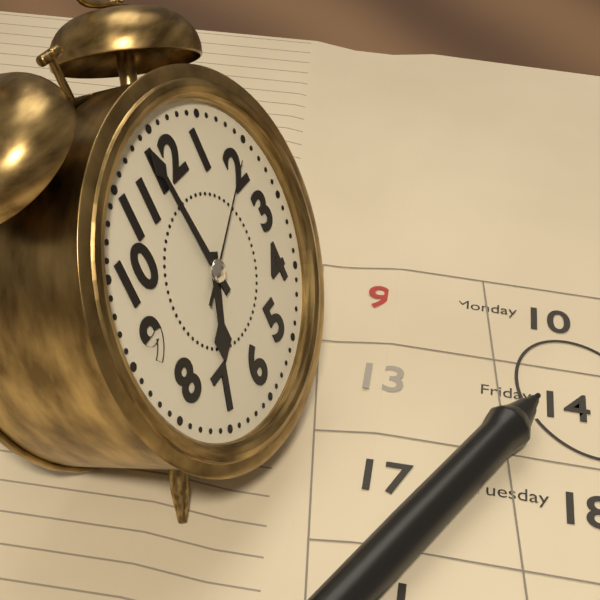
6.59.10
